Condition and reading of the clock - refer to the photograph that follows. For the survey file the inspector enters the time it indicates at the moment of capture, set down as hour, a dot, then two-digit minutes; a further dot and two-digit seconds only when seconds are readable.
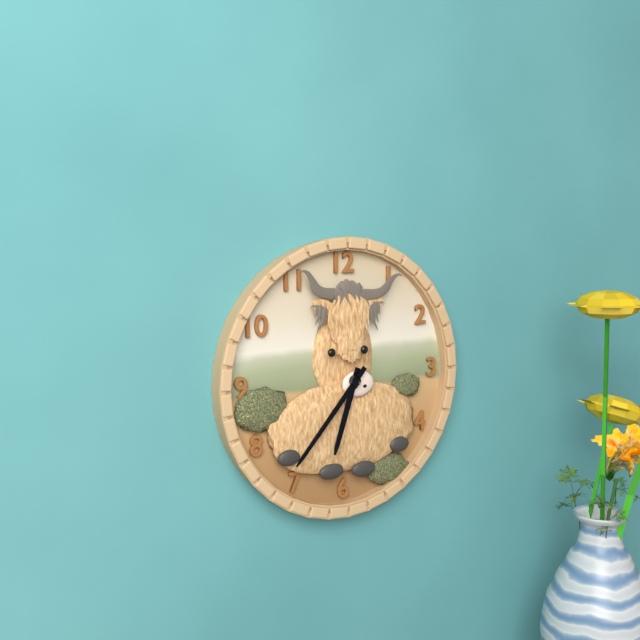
6.37
